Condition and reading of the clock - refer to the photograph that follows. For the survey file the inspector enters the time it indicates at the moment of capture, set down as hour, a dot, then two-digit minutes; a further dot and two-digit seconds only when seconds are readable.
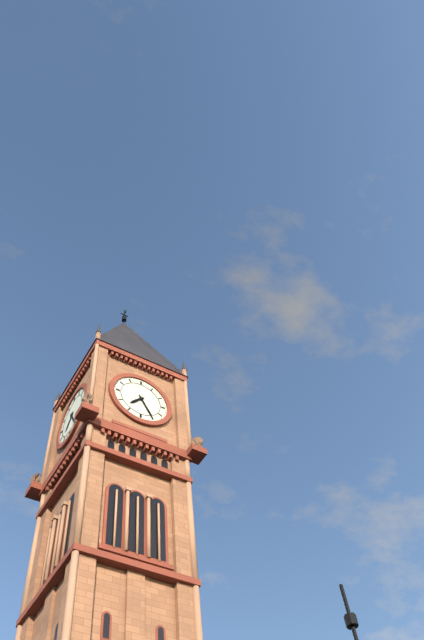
7.25
